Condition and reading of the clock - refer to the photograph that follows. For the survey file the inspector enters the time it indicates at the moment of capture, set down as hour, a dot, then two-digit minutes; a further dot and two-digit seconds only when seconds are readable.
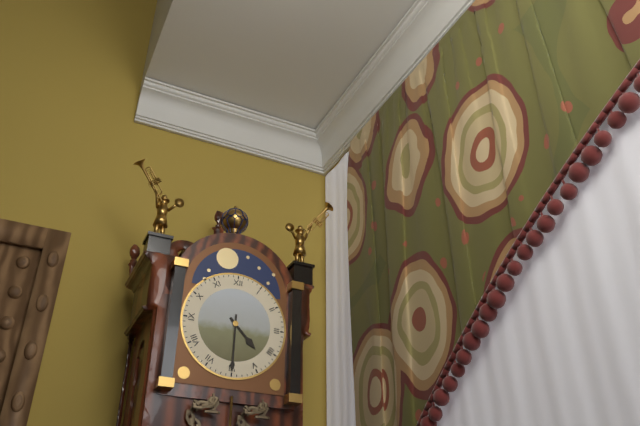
4.30
